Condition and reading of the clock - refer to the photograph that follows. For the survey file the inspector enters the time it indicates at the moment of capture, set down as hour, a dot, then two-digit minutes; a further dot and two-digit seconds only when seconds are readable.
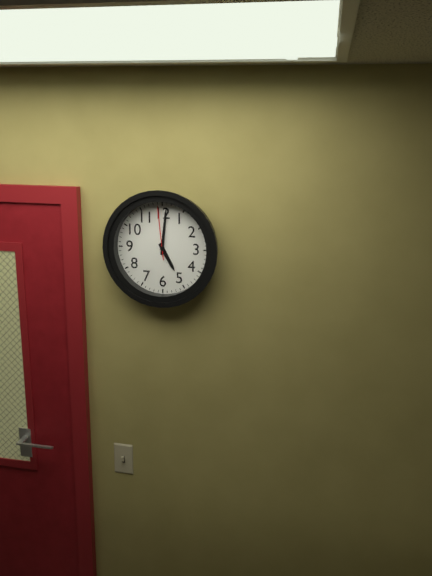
5.01.59
